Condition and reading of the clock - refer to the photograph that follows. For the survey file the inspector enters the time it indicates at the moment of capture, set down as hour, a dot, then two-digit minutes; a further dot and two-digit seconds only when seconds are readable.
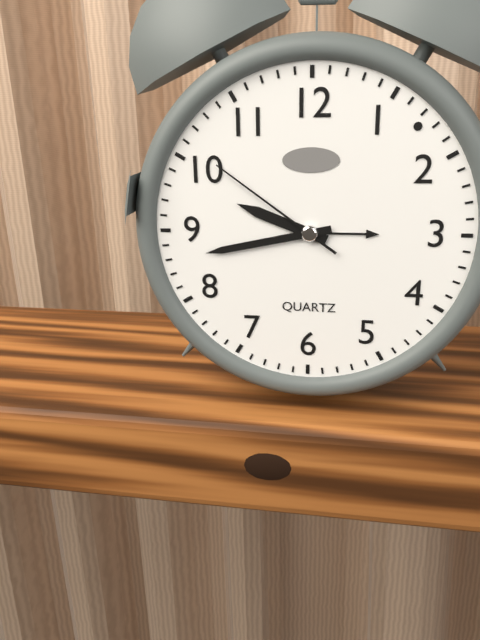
9.43.51
